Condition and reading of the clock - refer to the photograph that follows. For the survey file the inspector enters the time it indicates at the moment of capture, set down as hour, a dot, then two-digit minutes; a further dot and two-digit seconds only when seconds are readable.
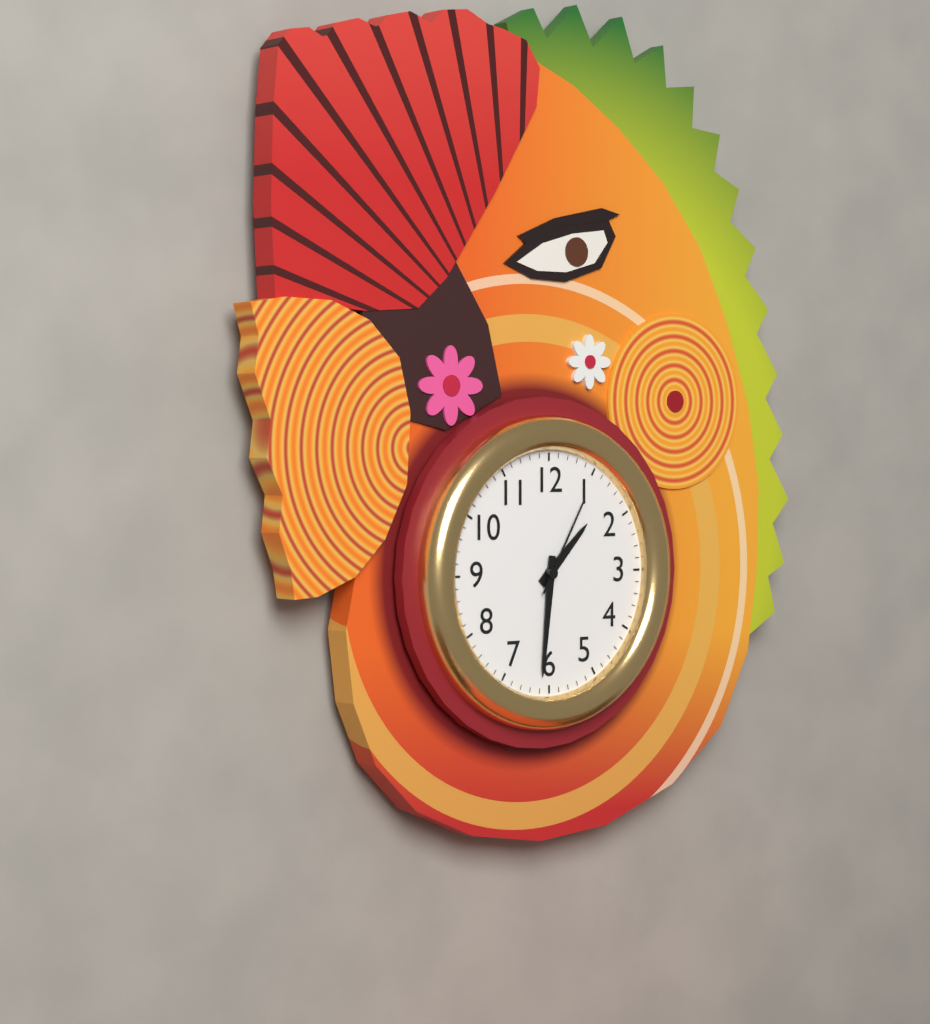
1.31.05
